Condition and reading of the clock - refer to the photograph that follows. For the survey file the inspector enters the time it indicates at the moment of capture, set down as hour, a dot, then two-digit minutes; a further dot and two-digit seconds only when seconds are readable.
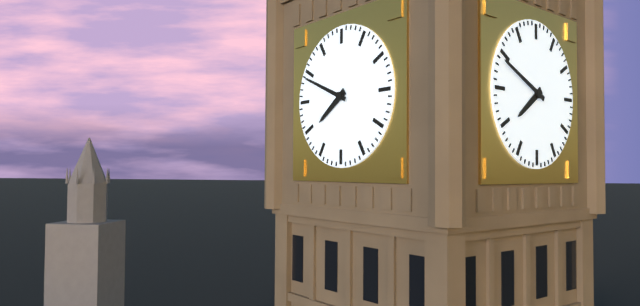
7.49
